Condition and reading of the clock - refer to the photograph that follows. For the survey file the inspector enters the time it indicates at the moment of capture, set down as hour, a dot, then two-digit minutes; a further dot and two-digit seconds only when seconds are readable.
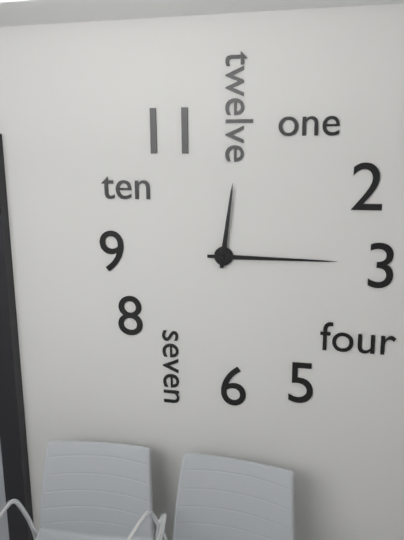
12.15
